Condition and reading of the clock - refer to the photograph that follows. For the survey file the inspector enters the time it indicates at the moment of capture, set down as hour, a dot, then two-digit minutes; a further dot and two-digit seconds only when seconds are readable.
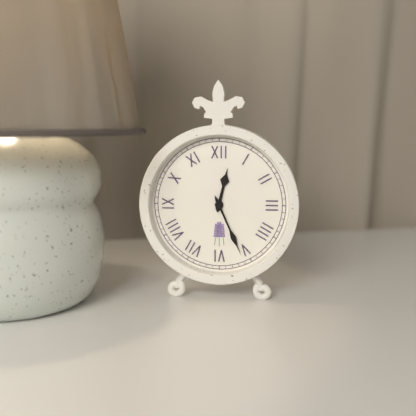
12.26
